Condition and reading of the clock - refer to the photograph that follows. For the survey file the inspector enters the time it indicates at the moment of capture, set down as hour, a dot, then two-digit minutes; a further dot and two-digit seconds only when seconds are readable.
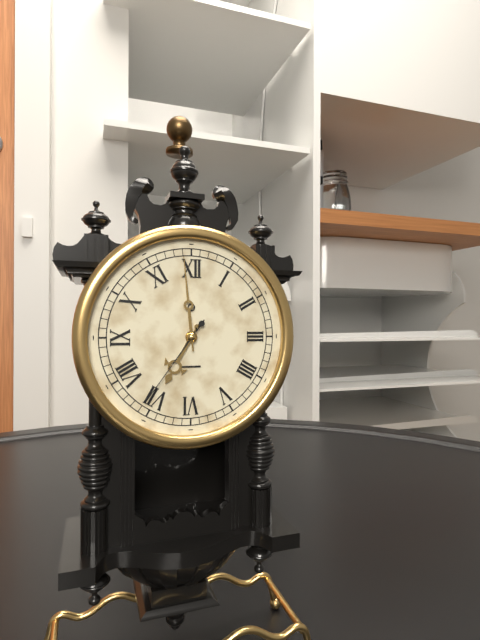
6.59.36
